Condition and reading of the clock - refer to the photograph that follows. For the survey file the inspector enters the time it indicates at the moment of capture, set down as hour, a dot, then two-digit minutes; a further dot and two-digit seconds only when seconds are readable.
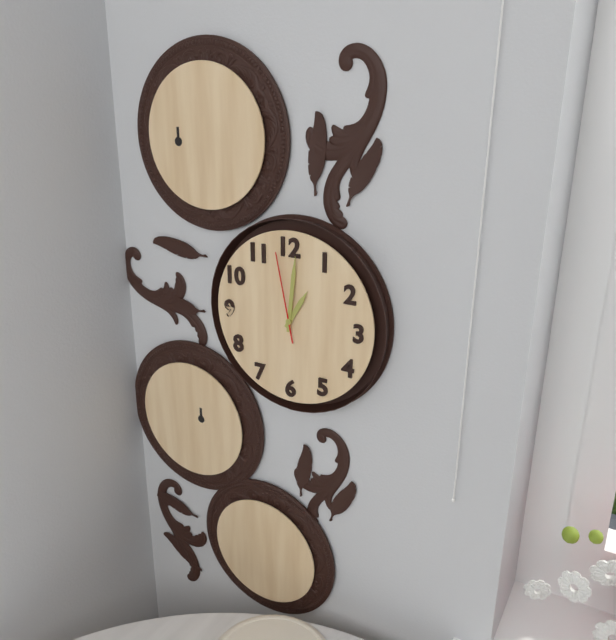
1.01.58
